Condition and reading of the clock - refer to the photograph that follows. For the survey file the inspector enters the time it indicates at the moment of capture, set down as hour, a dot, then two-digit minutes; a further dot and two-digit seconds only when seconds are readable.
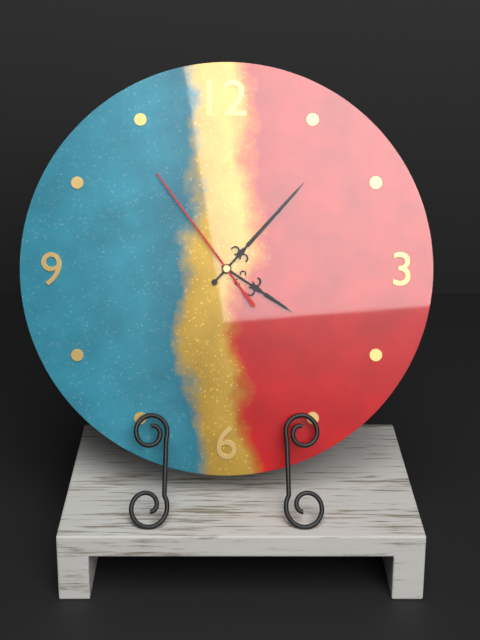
4.07.54
